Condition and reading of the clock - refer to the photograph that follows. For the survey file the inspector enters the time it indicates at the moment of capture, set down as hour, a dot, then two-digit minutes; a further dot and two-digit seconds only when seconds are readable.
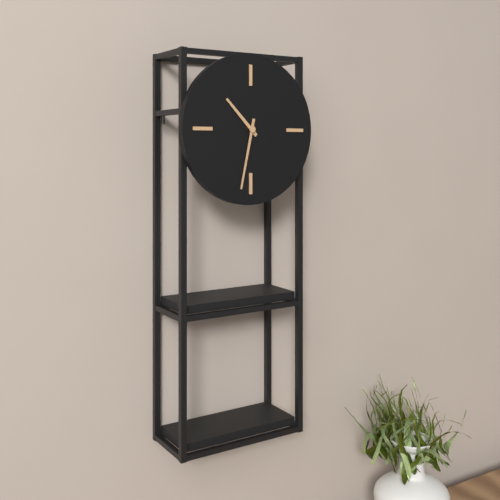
10.32
